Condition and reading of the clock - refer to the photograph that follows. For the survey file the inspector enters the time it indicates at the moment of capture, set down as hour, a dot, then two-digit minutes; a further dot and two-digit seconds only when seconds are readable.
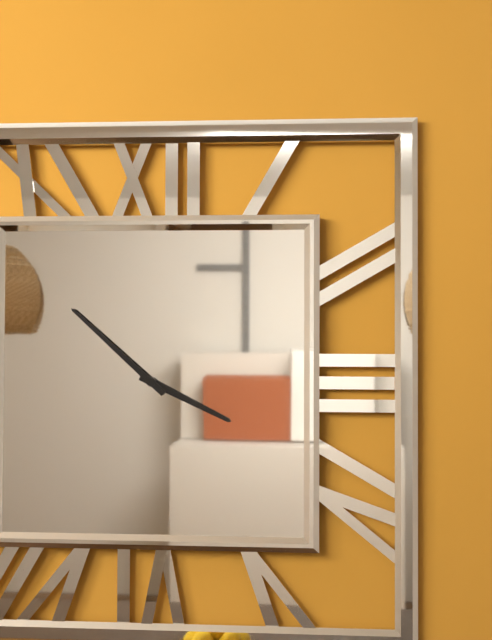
3.52
